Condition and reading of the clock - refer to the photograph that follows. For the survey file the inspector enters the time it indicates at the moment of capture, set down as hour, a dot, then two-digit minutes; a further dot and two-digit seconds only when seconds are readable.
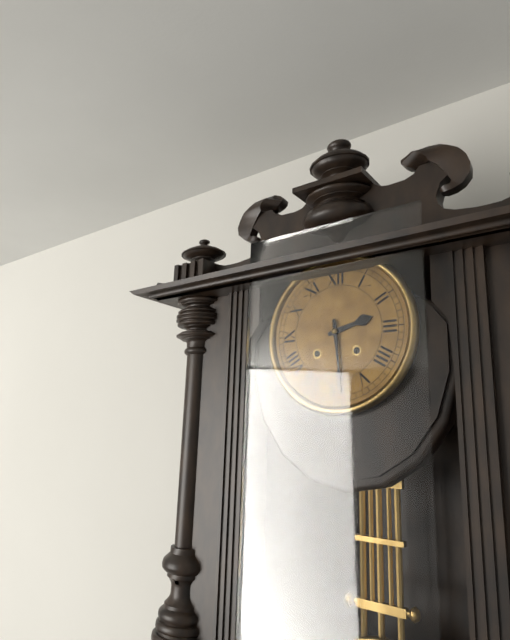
2.29
